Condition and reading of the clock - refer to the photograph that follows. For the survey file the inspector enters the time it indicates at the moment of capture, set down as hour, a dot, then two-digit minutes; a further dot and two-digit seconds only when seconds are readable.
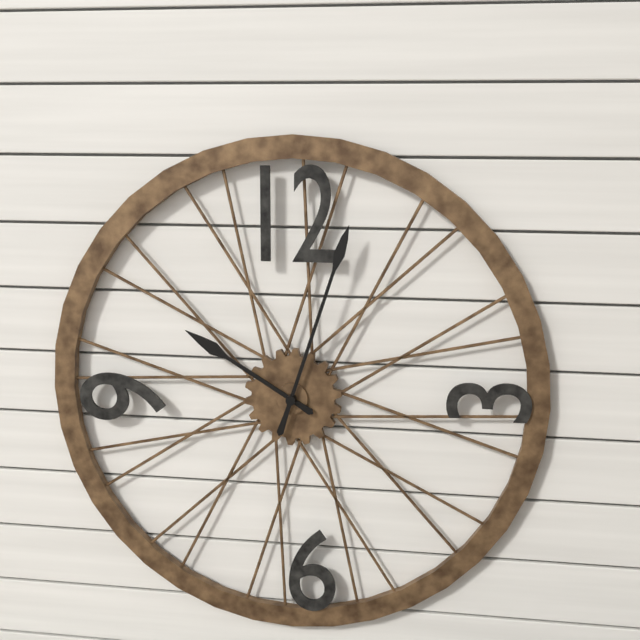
10.03
